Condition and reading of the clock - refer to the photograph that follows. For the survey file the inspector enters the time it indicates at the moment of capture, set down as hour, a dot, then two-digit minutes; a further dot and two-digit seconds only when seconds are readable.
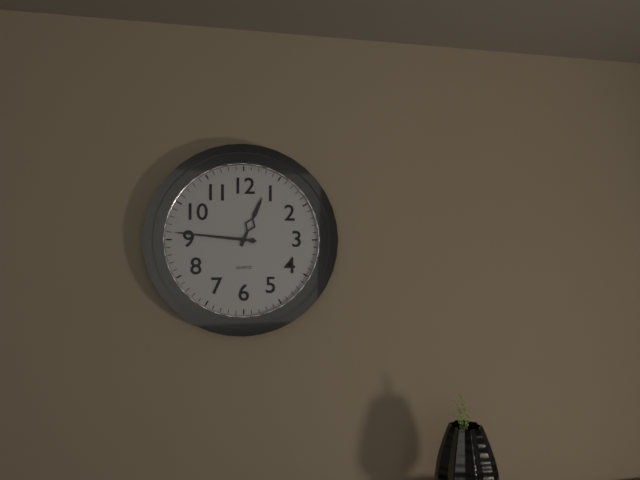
12.46
